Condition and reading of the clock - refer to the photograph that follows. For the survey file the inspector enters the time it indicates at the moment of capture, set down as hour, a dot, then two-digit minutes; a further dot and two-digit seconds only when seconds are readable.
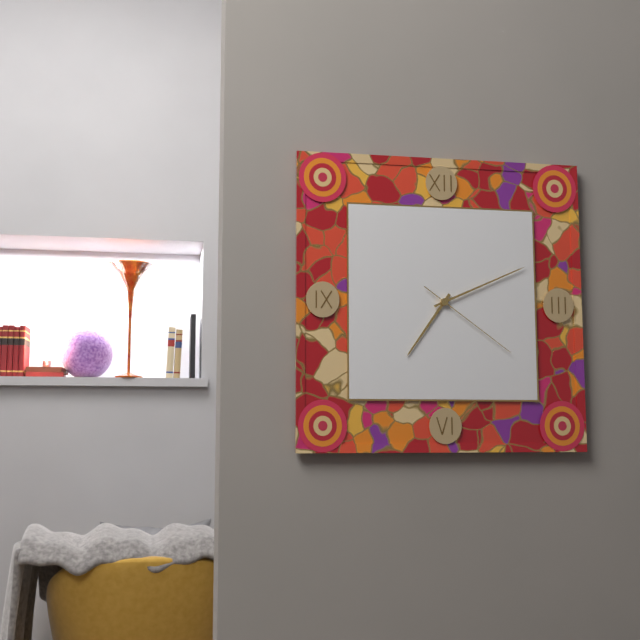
7.11.21
